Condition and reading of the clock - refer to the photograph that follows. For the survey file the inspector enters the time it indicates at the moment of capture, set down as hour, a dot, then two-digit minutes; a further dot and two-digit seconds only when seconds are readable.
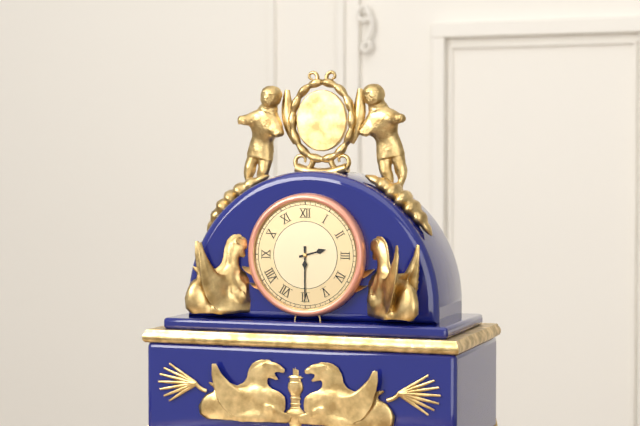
2.30
